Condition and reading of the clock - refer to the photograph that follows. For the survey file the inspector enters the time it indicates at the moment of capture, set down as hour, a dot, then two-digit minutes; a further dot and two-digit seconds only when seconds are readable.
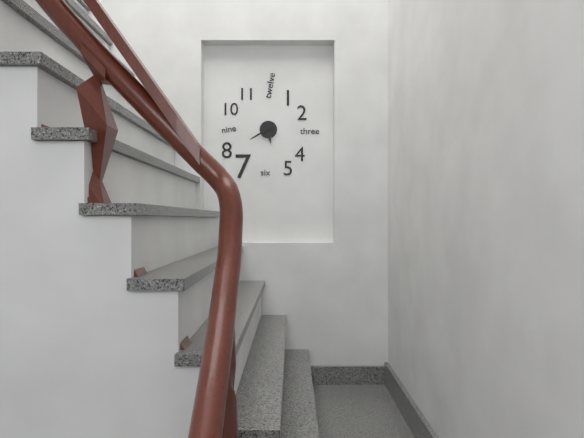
5.40
